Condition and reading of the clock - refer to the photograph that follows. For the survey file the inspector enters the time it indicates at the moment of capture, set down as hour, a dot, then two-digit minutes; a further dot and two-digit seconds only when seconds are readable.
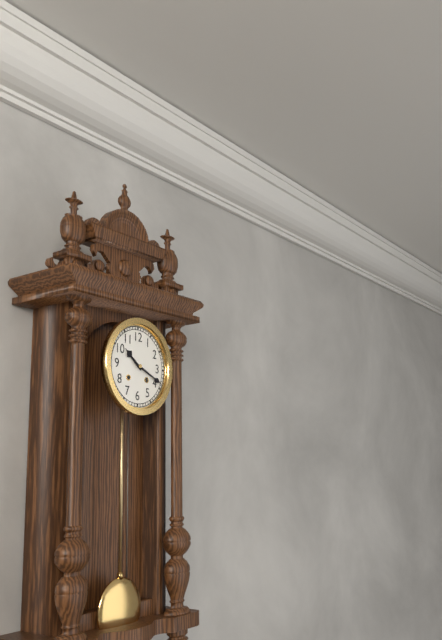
10.19
